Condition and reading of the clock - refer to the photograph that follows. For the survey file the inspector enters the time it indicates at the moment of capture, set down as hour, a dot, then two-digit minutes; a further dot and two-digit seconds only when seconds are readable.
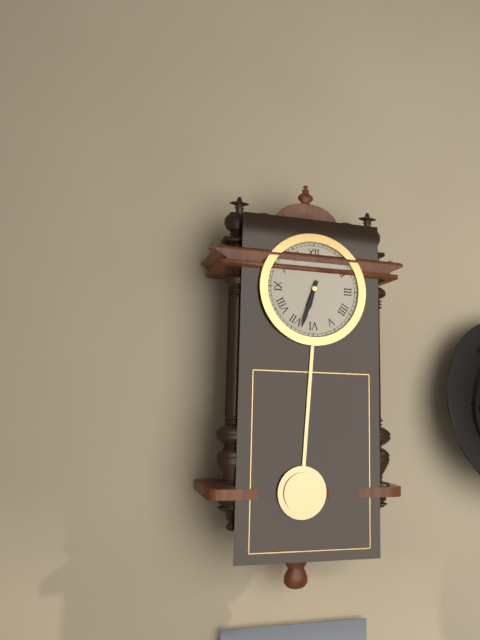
6.33
